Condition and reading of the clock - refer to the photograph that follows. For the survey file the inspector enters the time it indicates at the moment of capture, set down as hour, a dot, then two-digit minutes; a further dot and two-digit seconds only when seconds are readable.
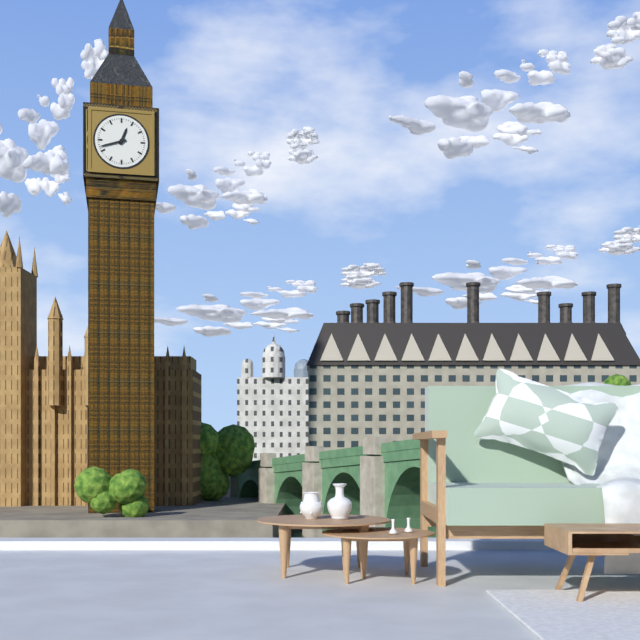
12.42
